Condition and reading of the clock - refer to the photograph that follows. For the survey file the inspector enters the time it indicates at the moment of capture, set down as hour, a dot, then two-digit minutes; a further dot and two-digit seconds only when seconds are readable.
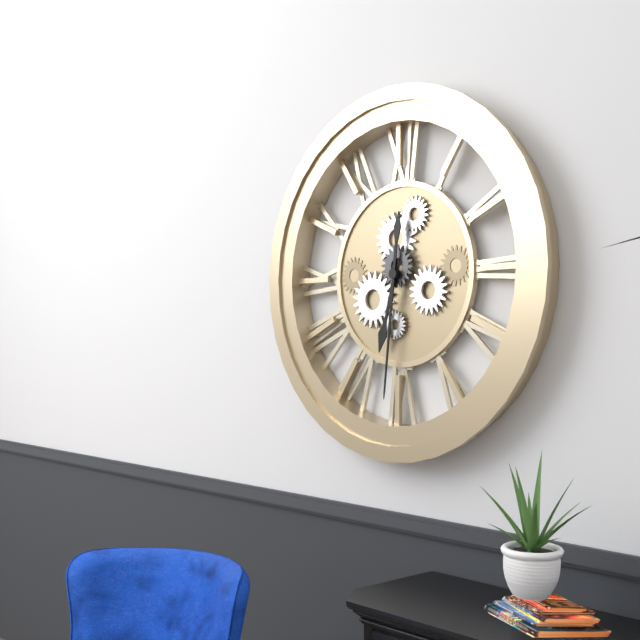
6.31
